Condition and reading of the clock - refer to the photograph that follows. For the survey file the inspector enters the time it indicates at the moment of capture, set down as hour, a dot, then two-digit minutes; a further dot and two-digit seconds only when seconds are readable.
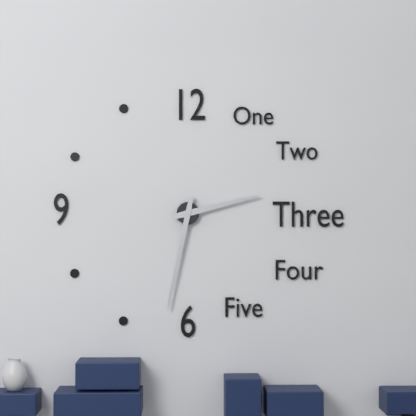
2.32
